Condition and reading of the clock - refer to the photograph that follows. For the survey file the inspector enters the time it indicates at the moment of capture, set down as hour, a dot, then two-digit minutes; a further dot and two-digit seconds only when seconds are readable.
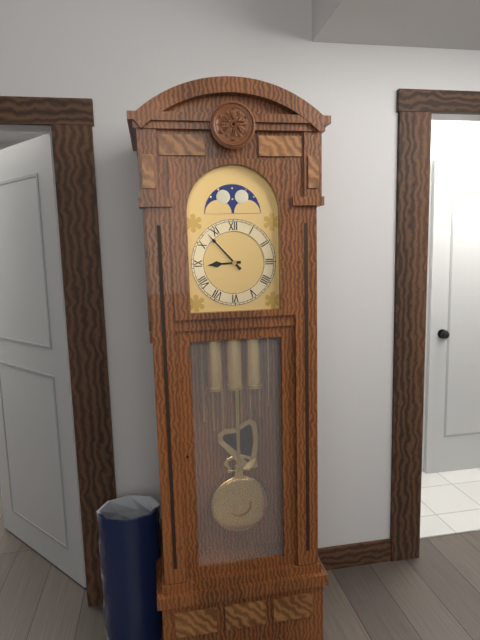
8.53
